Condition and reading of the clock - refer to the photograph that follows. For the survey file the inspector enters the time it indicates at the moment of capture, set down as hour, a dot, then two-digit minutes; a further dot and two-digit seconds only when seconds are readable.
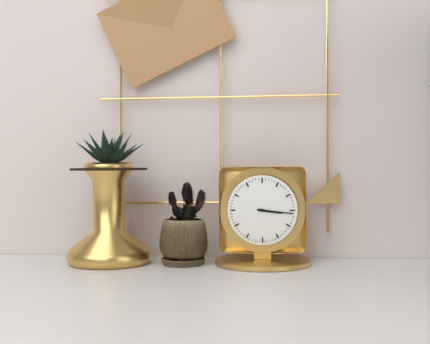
3.16
